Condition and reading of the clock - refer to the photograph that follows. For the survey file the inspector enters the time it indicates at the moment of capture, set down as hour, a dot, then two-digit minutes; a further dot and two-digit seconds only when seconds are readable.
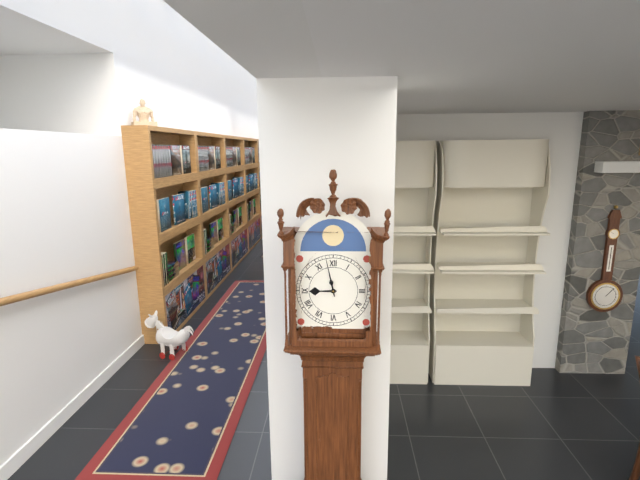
8.58
